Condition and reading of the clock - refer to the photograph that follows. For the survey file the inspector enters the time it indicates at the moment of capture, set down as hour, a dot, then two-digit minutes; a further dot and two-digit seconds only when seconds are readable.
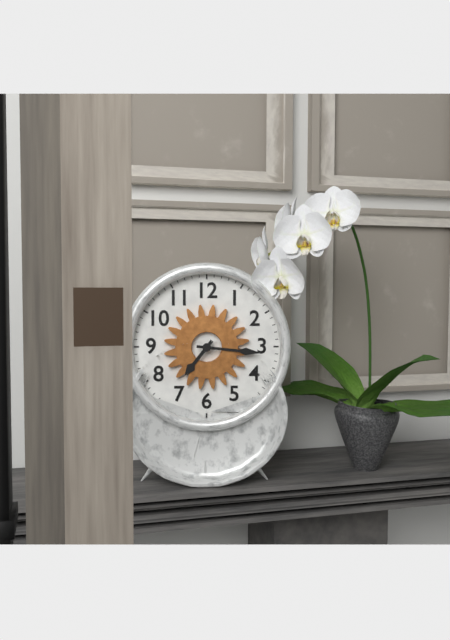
7.16
